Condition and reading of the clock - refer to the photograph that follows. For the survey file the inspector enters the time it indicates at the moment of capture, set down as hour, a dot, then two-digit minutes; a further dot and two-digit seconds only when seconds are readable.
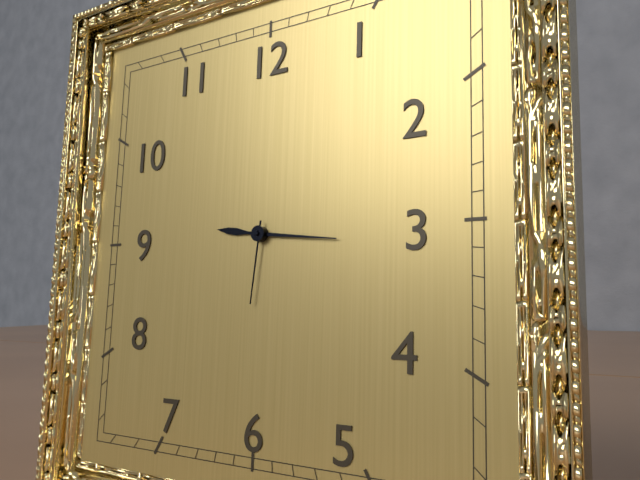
9.16.31
